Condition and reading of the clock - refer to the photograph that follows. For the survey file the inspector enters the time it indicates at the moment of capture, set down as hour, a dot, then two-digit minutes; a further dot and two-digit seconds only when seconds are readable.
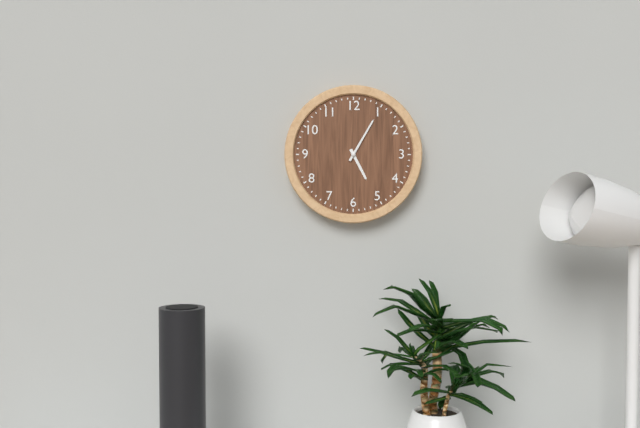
5.05
